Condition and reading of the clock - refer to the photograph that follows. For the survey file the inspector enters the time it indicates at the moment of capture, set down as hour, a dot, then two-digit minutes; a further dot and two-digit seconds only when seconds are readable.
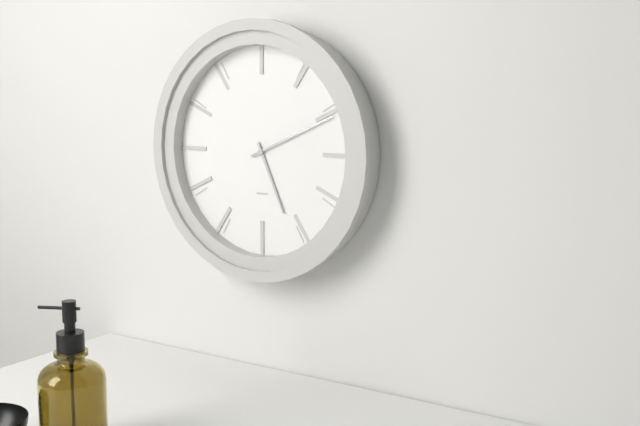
5.11
